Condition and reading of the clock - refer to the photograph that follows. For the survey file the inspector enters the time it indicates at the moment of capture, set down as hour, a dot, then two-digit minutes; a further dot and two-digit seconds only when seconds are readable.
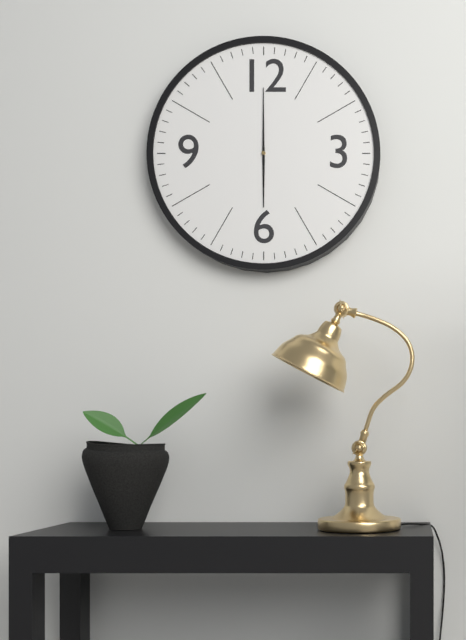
6.00
